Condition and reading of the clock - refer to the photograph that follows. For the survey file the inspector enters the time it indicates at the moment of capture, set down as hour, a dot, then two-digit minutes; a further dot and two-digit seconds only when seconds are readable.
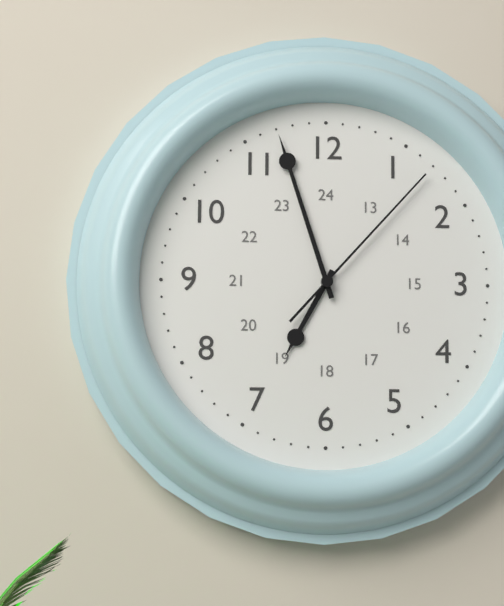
6.57.07
